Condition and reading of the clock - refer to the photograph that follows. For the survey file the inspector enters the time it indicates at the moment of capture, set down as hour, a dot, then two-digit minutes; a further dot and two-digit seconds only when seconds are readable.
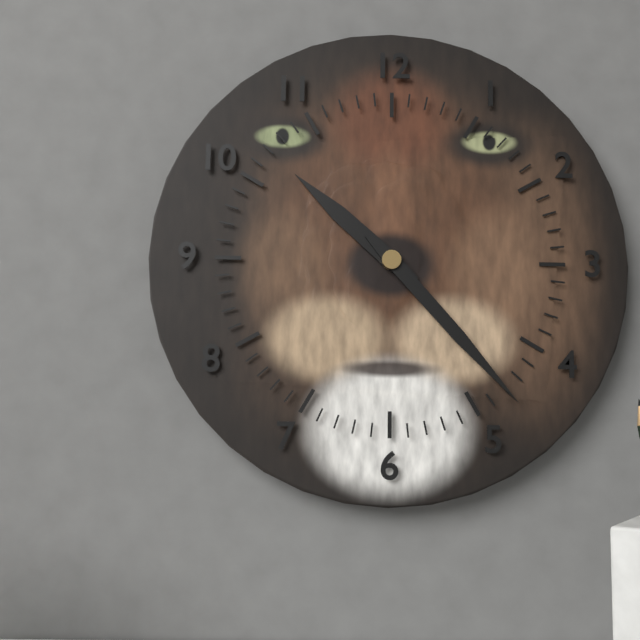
10.23
